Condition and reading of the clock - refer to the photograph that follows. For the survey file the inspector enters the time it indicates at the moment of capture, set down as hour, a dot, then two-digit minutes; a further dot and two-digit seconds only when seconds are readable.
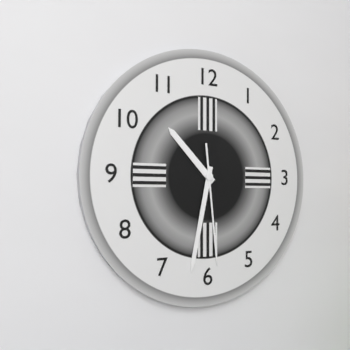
10.32.29
